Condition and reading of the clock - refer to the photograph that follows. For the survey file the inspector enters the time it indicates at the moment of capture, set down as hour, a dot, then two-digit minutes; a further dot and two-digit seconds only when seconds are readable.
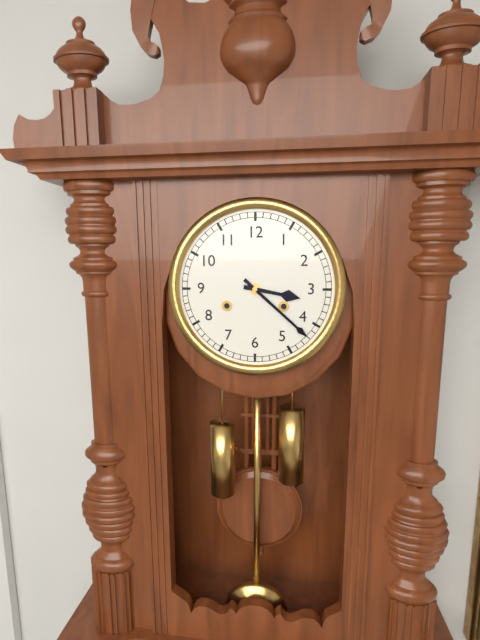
3.22
